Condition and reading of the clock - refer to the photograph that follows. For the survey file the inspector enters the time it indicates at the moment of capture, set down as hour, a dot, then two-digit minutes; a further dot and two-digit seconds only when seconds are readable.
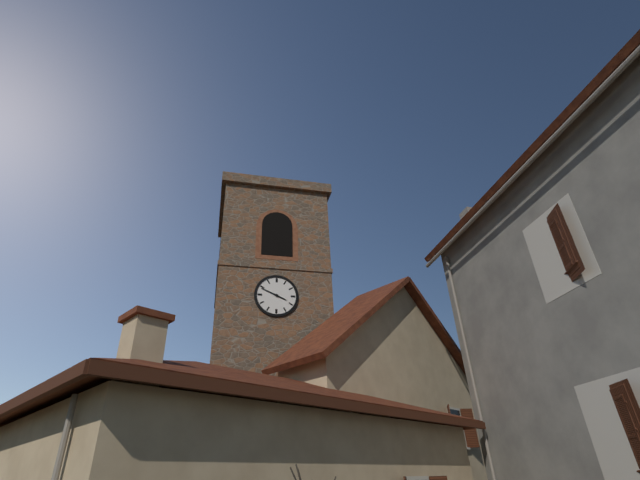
3.49
